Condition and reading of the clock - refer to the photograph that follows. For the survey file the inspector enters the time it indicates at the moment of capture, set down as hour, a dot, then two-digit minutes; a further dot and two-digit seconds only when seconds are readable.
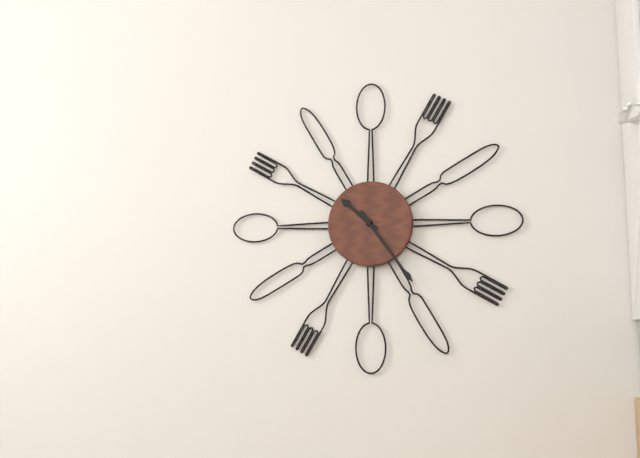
10.24
